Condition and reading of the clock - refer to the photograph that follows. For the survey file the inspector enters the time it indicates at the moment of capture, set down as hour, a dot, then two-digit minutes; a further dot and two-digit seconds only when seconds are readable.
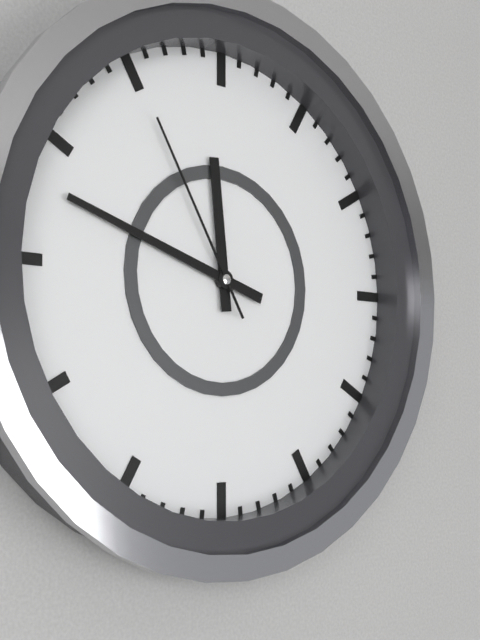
11.48.55
